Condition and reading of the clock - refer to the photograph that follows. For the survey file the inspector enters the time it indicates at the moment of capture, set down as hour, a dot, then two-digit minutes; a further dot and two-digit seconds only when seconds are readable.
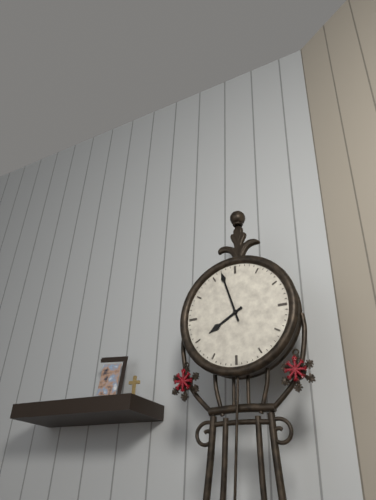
7.57
